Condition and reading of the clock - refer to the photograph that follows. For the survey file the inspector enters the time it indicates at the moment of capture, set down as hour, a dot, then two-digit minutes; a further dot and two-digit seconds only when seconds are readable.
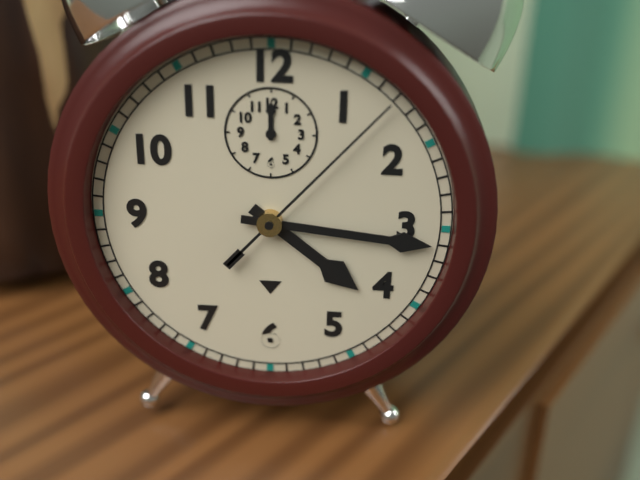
4.16.07
